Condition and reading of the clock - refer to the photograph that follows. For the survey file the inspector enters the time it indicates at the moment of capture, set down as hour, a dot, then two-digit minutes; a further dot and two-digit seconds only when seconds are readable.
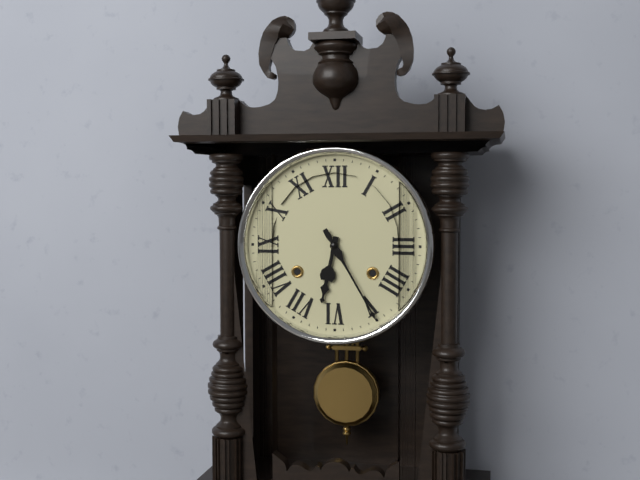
6.25
